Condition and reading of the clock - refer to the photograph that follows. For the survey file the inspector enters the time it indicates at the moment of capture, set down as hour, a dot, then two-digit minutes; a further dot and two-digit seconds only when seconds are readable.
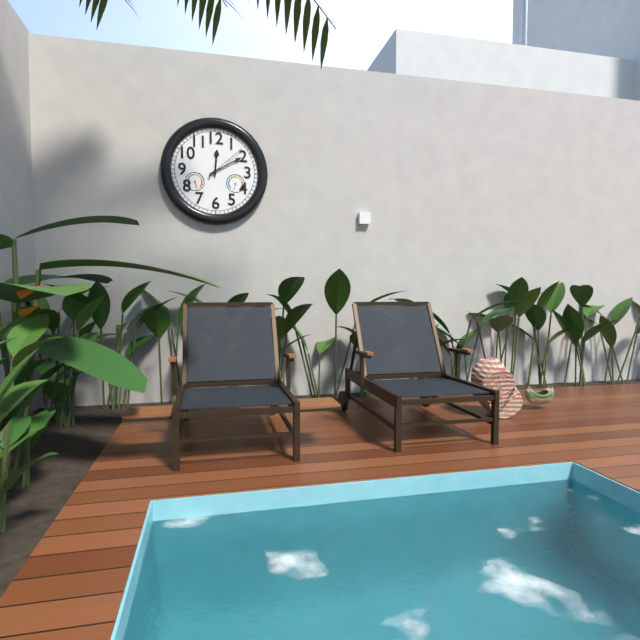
12.10
